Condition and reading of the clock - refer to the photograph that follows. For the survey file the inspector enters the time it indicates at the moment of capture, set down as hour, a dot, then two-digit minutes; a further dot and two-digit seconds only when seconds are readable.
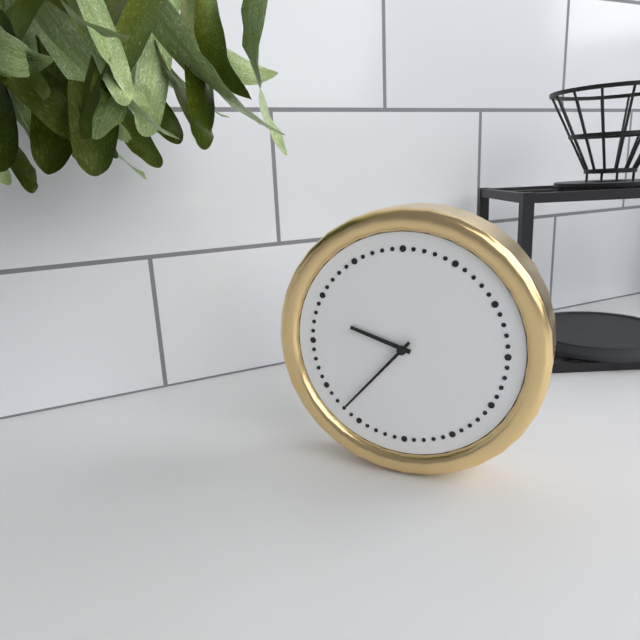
9.37
